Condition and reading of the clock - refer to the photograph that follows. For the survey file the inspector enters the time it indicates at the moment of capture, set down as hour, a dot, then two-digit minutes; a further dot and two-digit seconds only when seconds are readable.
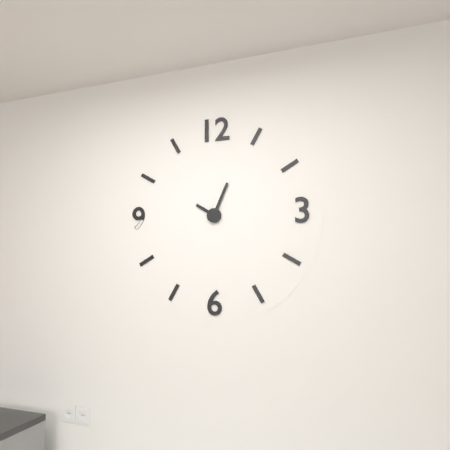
10.04
